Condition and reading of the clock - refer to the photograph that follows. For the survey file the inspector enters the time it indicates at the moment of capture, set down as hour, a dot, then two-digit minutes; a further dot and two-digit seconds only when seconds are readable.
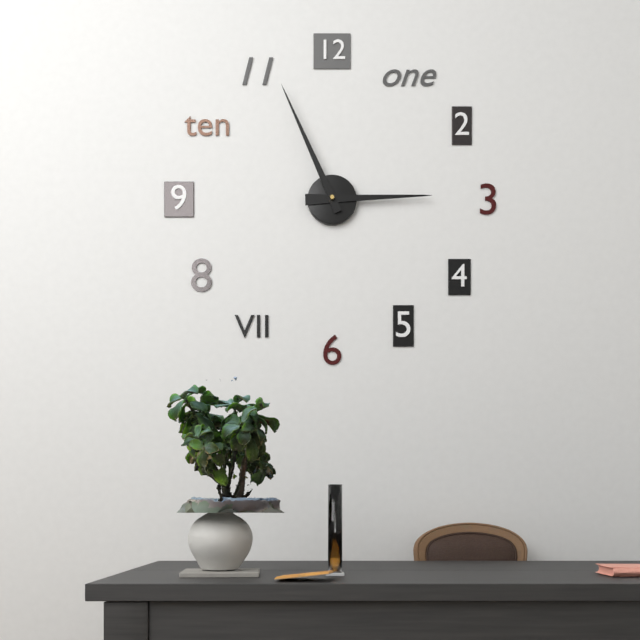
2.56
